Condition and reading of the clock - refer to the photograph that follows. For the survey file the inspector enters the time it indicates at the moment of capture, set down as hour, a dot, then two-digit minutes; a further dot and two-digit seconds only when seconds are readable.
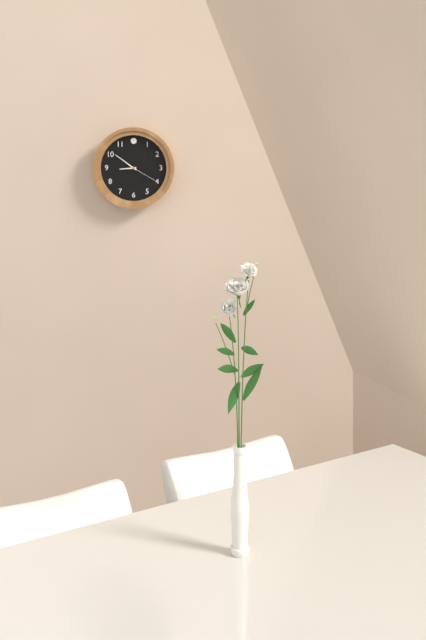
8.51
